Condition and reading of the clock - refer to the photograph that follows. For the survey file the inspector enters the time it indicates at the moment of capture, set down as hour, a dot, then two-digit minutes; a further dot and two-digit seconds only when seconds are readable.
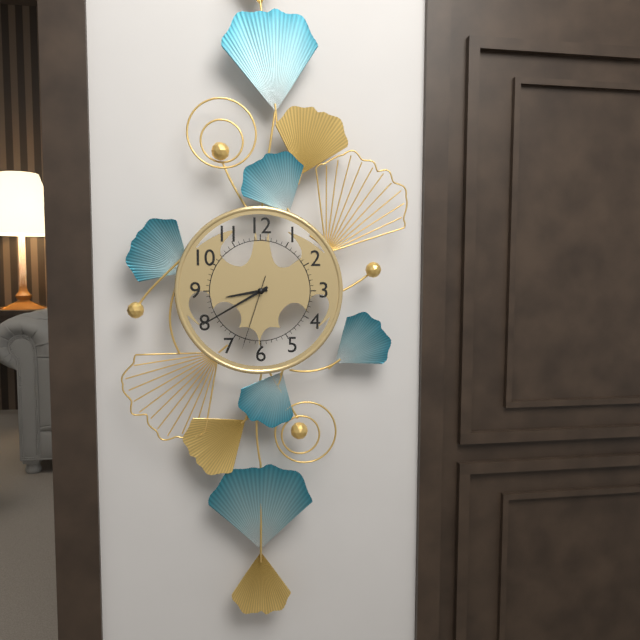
8.40.33
